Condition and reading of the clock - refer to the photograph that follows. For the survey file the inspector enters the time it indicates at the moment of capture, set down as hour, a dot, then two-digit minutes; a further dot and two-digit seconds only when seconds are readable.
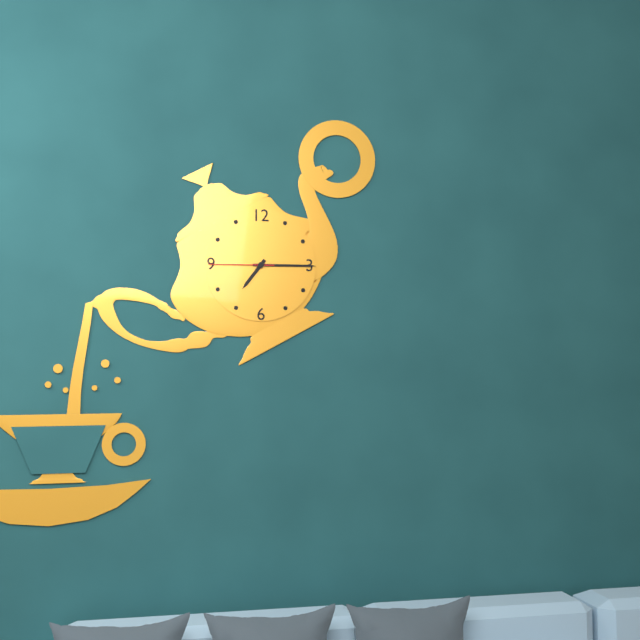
7.15.45
